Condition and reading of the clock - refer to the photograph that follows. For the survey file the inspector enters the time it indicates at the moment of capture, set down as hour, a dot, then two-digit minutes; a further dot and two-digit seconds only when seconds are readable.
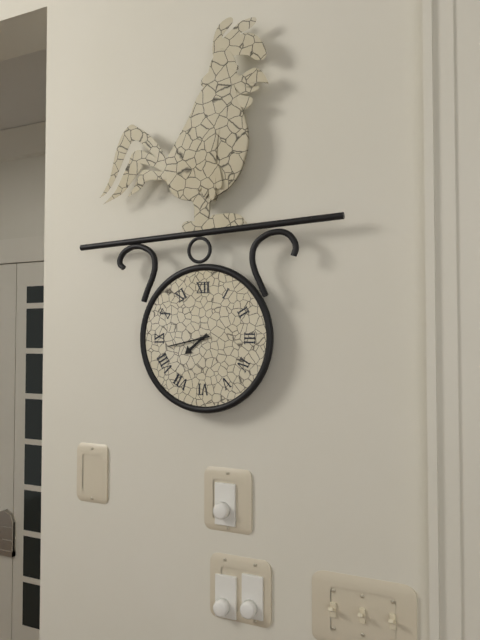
7.43
